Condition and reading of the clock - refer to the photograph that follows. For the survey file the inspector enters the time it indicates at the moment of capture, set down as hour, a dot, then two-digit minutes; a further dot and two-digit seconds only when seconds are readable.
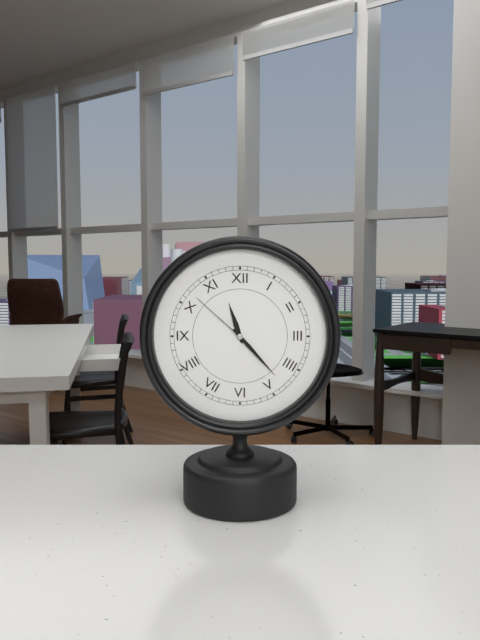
11.23.52
